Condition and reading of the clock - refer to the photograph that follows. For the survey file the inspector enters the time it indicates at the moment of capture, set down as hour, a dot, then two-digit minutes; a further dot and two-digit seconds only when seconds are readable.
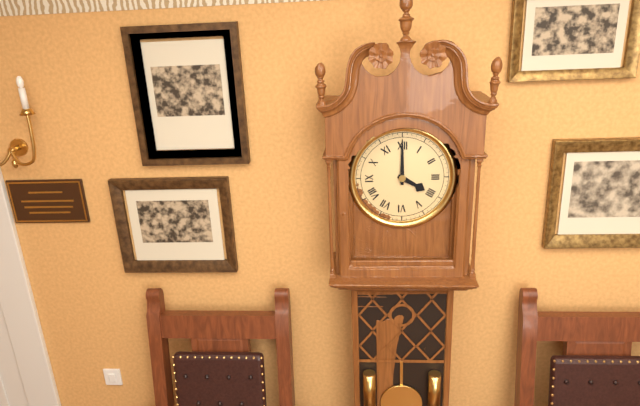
4.00
